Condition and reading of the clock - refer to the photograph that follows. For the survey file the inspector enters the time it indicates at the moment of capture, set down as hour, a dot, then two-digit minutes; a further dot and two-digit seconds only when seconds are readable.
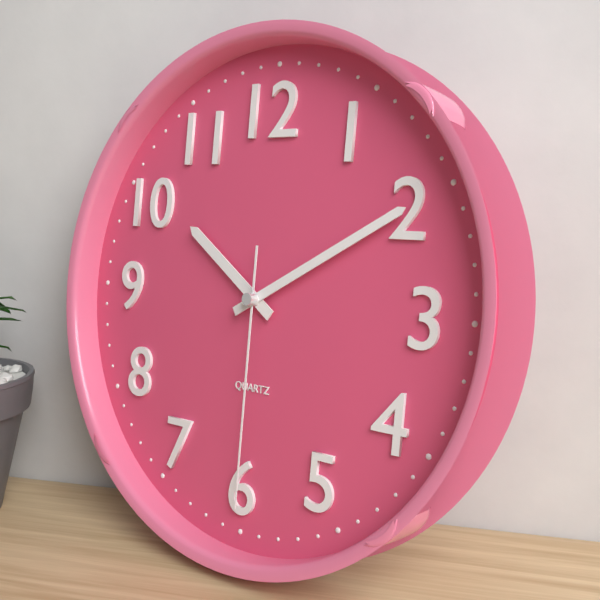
10.10.30
